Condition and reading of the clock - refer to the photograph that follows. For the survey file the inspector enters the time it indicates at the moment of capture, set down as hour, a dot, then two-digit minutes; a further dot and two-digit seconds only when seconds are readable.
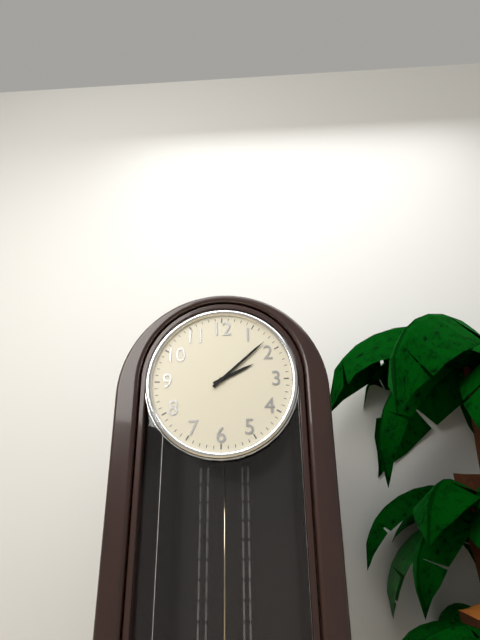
2.08
